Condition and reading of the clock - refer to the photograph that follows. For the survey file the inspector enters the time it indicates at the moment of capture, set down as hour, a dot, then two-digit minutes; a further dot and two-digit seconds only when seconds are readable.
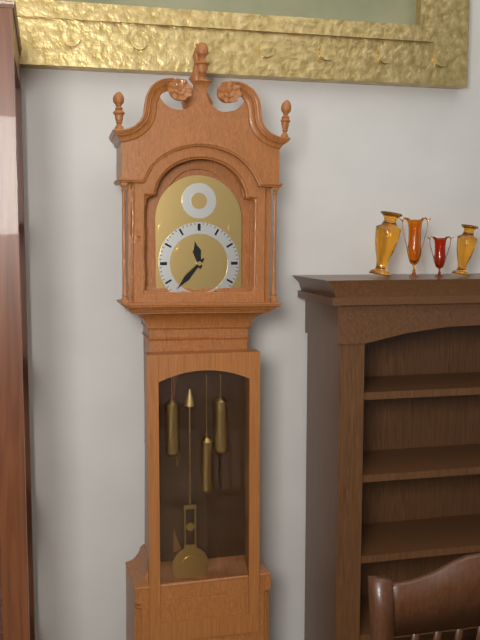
11.37
